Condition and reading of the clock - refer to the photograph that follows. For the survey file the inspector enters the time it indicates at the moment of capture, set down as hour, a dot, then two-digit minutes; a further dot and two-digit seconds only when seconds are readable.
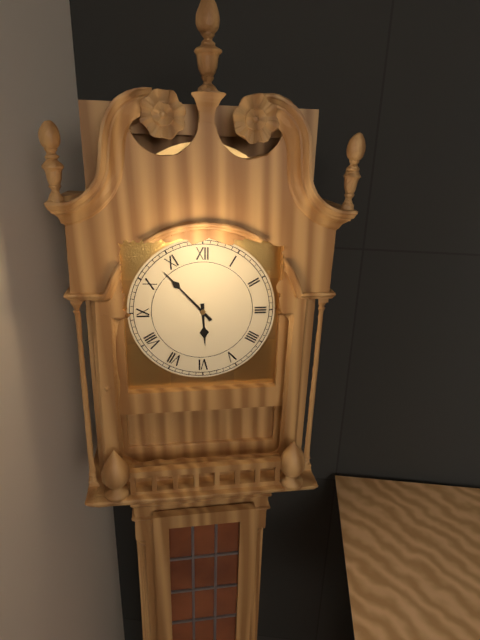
5.53
